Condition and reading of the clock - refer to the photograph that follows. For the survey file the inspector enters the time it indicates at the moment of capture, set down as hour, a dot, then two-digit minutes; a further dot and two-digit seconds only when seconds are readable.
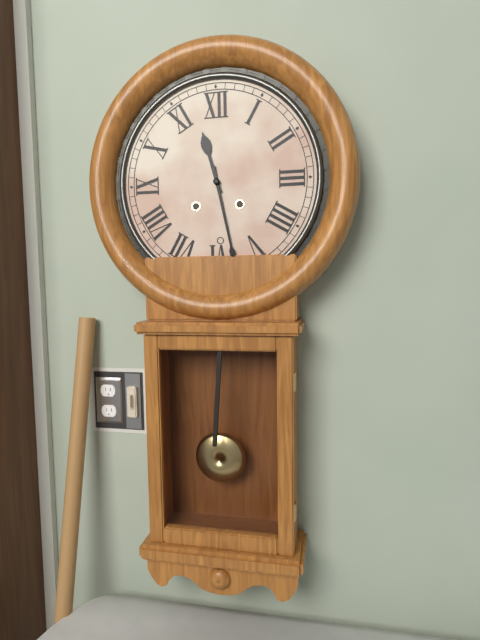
11.28
